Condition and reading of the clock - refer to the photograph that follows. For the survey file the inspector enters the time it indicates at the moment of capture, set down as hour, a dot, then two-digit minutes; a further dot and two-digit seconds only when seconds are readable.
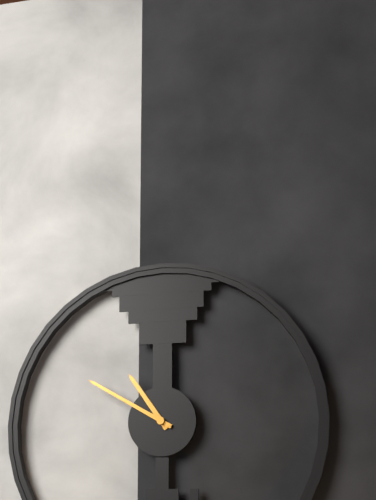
10.50
